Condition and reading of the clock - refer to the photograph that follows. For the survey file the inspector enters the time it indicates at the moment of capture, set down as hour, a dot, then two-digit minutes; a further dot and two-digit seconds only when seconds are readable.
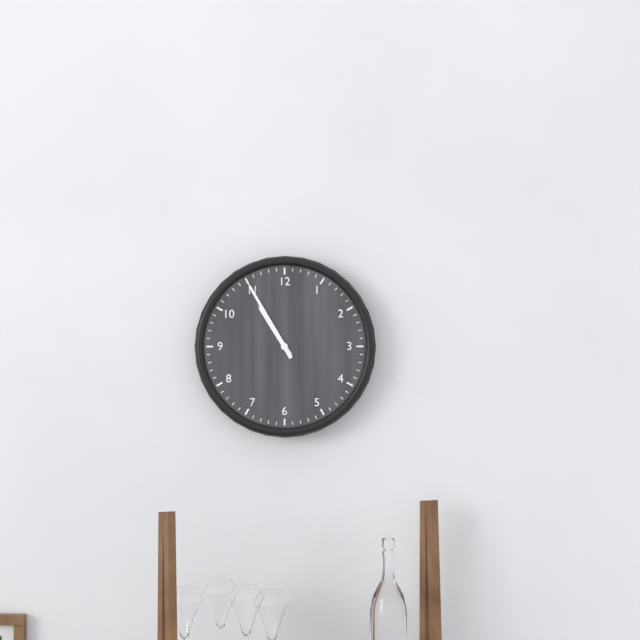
10.55
